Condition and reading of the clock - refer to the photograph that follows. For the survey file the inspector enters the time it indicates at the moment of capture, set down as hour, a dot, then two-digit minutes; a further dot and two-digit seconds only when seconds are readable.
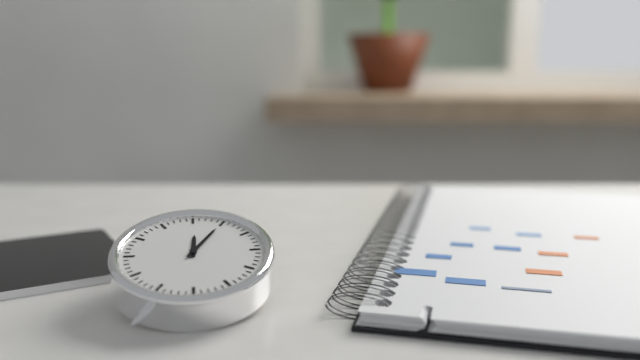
12.05
